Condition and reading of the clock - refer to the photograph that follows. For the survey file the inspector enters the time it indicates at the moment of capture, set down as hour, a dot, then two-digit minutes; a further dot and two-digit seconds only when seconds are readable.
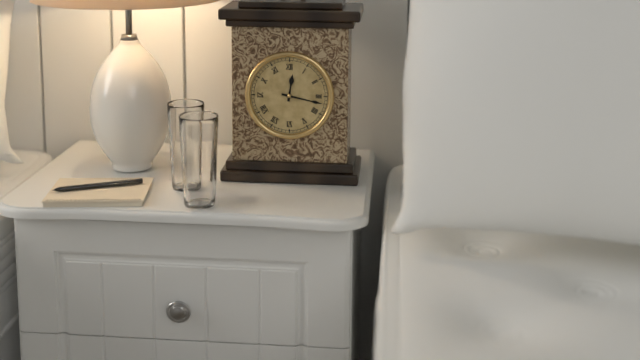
12.17
